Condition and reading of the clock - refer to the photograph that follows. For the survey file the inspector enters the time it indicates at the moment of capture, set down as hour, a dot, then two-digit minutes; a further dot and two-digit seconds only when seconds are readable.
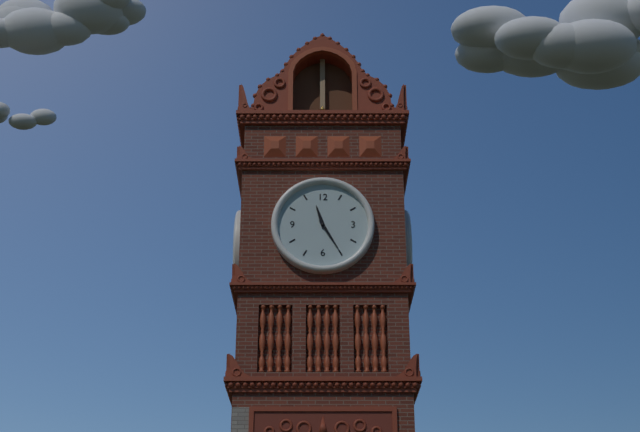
11.25
